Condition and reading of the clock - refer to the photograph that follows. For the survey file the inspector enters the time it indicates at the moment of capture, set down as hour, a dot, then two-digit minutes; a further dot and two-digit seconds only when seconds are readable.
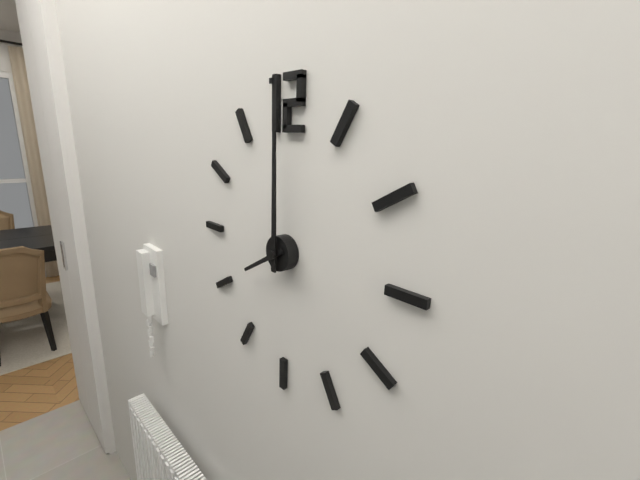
8.00
